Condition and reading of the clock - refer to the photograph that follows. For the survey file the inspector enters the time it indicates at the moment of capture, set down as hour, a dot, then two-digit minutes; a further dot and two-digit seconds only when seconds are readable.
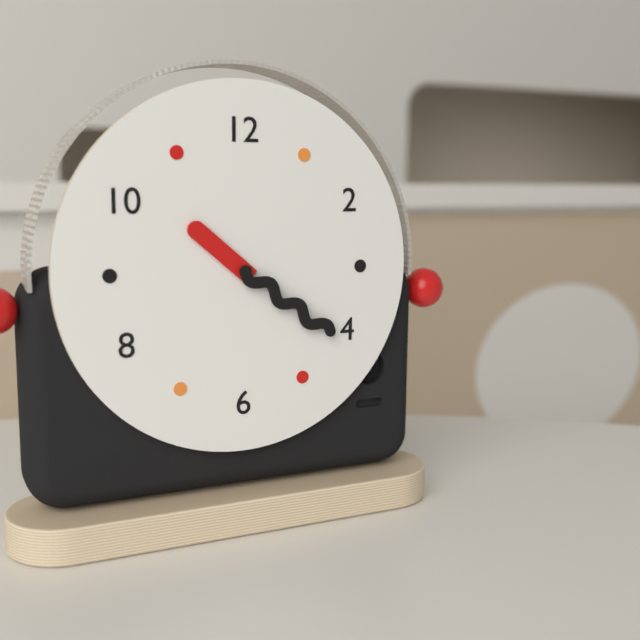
10.21
